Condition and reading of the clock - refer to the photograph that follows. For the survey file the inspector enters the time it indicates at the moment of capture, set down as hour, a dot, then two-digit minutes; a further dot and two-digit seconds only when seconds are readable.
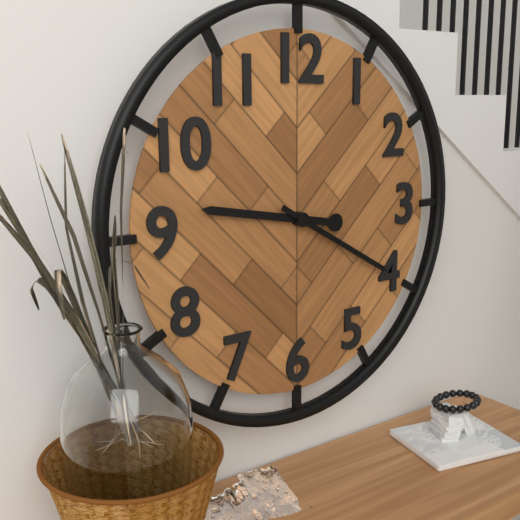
9.20
